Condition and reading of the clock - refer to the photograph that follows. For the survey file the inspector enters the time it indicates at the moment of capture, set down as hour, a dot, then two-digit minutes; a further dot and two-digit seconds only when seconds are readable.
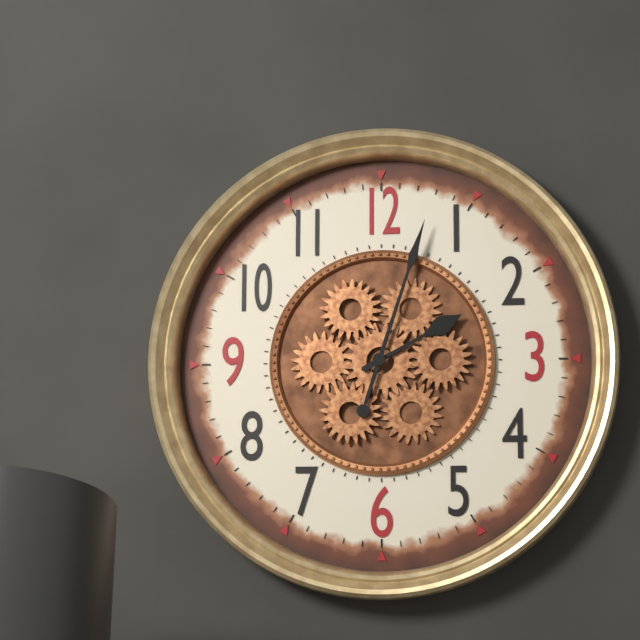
2.03
